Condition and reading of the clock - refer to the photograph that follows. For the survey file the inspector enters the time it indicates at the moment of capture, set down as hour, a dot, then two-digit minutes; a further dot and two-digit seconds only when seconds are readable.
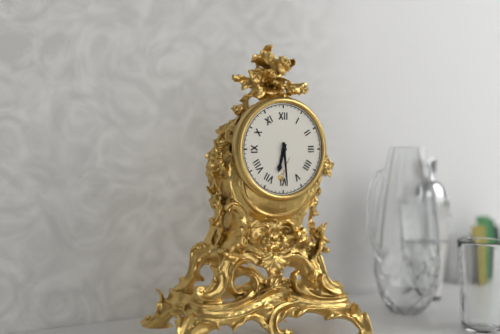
6.29
